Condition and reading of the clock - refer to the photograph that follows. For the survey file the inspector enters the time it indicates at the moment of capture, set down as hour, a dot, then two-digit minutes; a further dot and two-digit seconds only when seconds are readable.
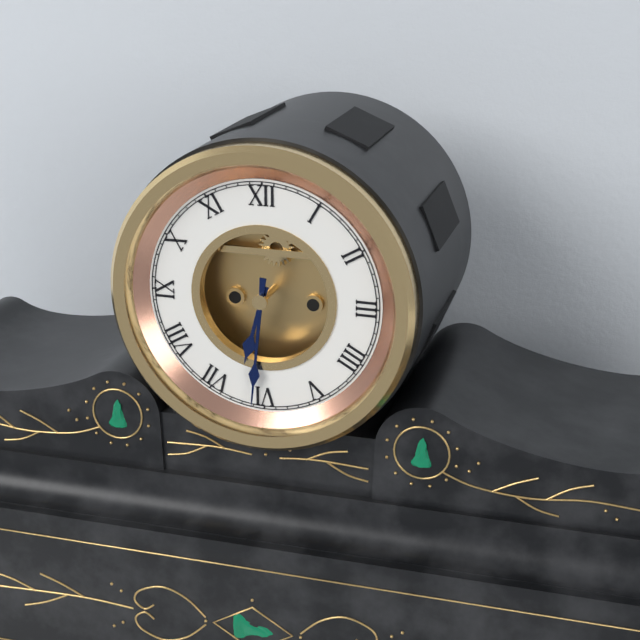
6.31
